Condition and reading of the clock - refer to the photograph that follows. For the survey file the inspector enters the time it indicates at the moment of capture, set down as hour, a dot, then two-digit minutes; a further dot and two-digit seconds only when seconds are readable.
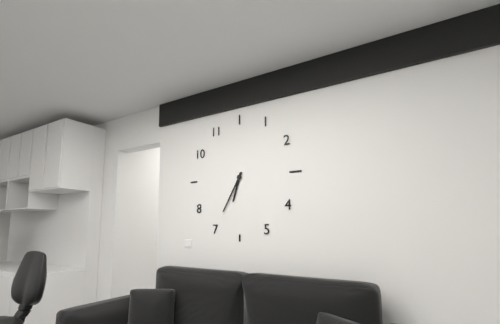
6.35
